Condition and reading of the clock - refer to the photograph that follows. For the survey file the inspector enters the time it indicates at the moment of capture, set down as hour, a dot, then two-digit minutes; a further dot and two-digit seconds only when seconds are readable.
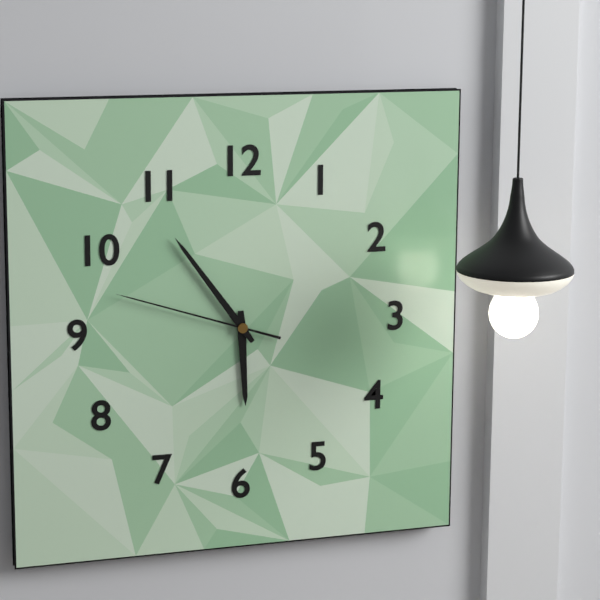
5.54.48
